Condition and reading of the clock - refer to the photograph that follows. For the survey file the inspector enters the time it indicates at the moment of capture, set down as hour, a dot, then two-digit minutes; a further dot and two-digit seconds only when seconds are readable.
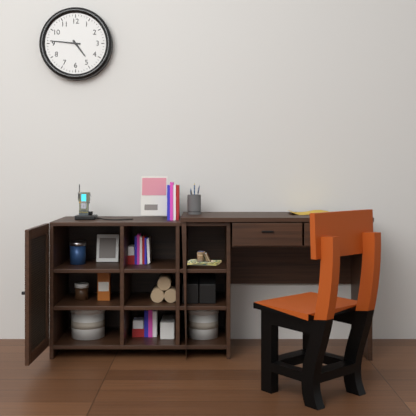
4.46
